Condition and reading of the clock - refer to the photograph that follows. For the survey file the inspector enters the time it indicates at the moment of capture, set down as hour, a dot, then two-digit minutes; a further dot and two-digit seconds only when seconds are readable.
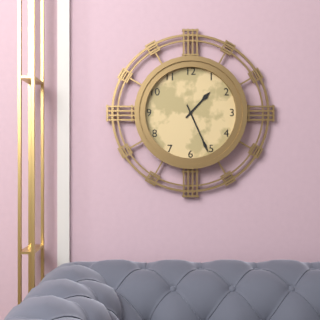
1.26
